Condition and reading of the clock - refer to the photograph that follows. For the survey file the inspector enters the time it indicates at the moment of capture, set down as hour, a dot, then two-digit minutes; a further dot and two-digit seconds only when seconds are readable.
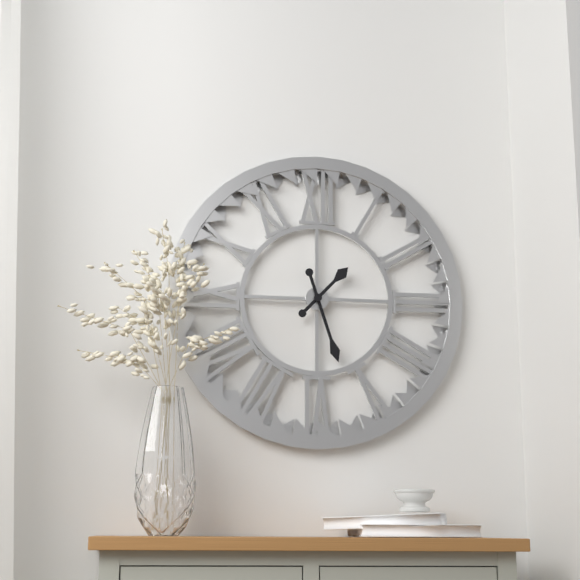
1.27
